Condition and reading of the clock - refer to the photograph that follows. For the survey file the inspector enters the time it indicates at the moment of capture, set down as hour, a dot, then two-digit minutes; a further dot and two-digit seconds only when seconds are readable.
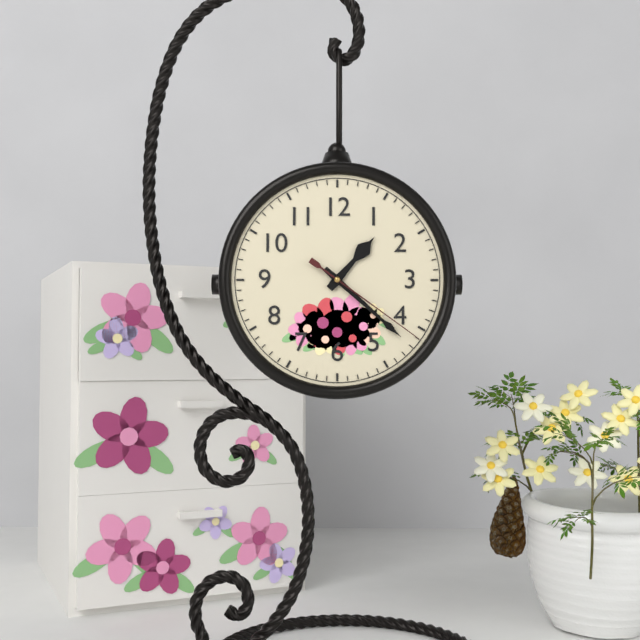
1.22.21
